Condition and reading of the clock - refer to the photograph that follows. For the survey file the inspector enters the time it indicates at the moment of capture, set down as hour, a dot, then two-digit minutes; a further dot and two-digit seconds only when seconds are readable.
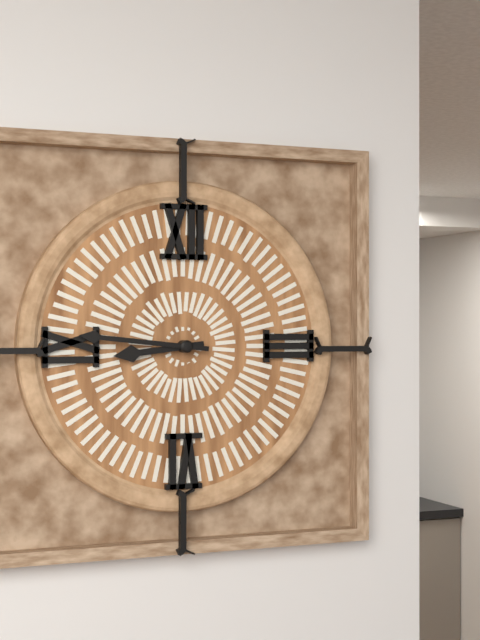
8.46
